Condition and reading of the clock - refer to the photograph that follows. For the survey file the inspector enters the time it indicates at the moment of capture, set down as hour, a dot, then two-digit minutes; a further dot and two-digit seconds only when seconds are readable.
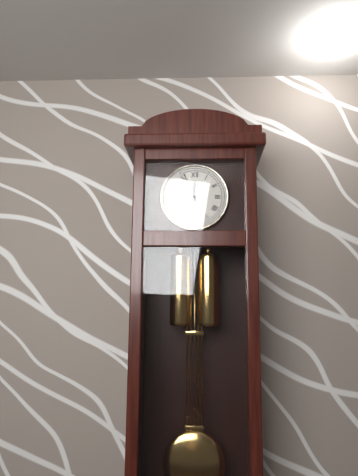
11.56
